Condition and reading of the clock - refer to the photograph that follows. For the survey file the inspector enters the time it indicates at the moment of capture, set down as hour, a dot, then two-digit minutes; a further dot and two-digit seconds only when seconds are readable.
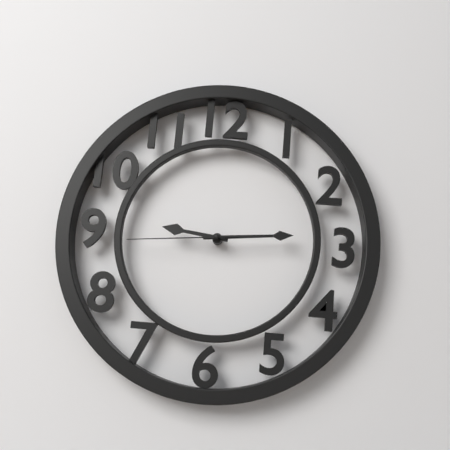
9.14.44
